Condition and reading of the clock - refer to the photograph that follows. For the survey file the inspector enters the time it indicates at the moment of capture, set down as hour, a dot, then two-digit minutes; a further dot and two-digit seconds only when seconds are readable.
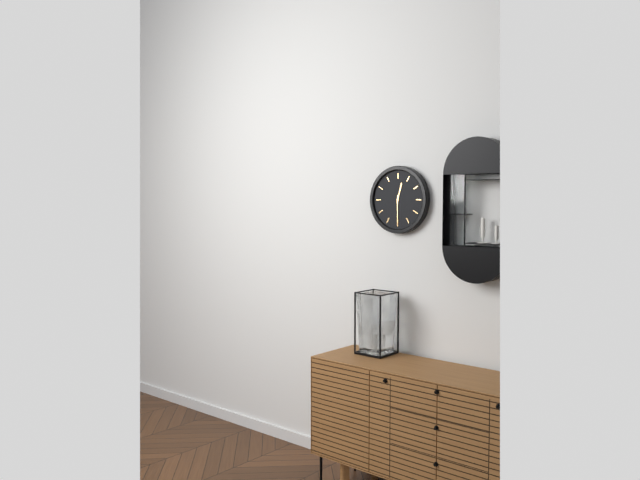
12.30
